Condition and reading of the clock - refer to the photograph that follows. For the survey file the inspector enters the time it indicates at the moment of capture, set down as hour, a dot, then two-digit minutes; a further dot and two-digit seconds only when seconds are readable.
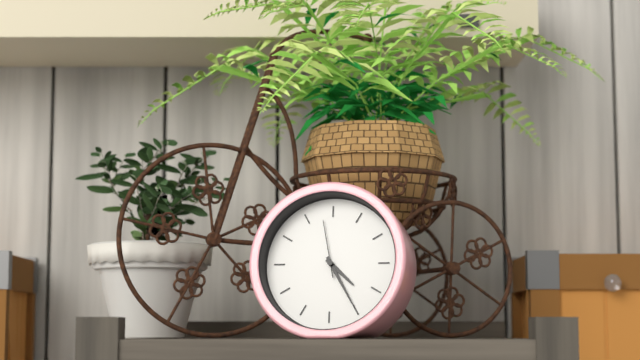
4.25.58
